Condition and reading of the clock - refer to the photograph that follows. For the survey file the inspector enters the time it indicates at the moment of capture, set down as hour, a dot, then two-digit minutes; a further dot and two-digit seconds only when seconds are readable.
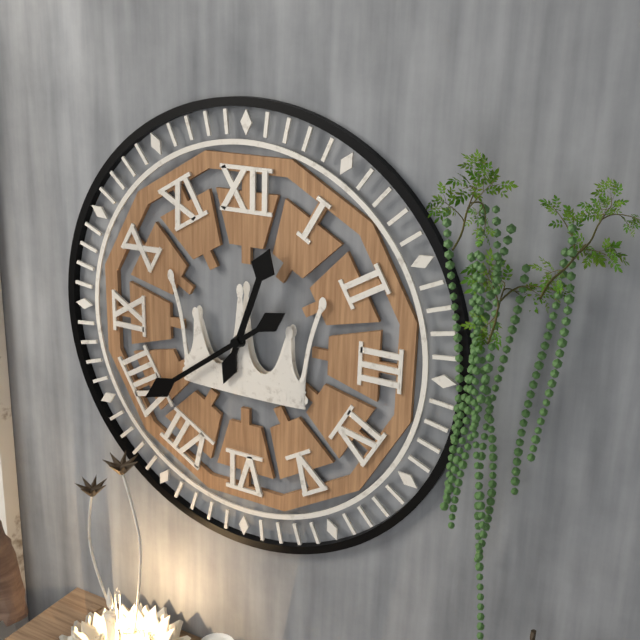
12.39
